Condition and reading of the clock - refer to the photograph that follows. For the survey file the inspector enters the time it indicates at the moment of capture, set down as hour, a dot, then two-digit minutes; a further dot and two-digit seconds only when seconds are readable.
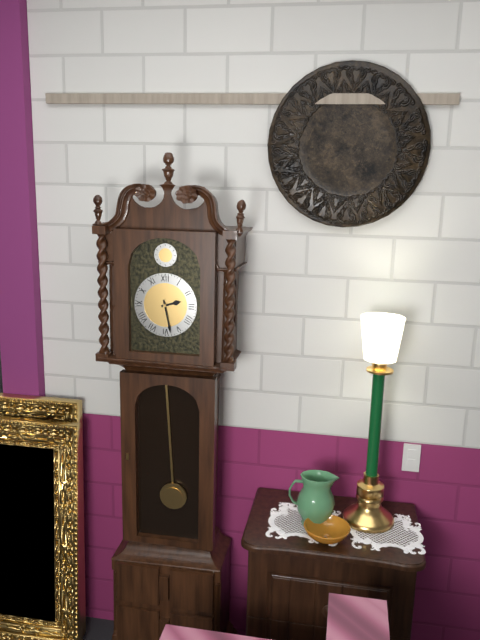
2.28
